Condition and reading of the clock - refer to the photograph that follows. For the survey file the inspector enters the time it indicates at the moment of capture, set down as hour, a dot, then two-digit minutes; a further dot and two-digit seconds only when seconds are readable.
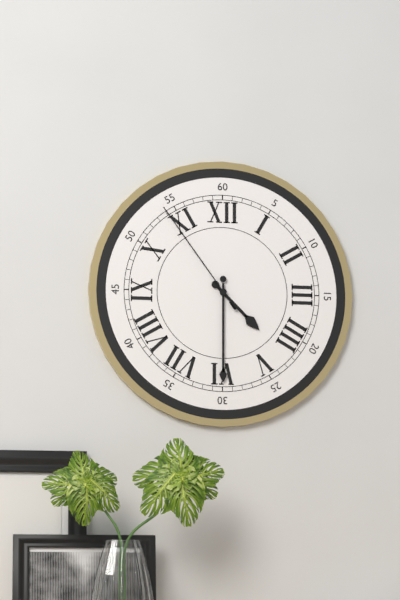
4.30.54
